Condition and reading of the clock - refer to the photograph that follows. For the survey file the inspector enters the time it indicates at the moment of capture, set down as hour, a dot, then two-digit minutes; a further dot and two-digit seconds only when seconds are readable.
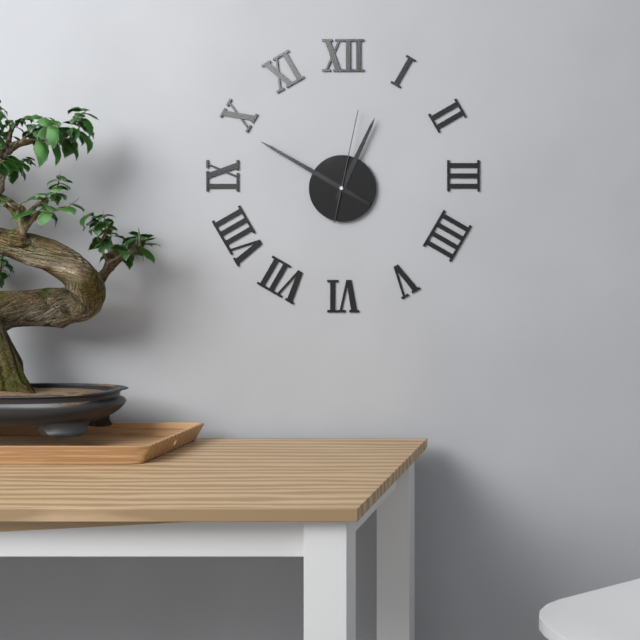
12.50.02
